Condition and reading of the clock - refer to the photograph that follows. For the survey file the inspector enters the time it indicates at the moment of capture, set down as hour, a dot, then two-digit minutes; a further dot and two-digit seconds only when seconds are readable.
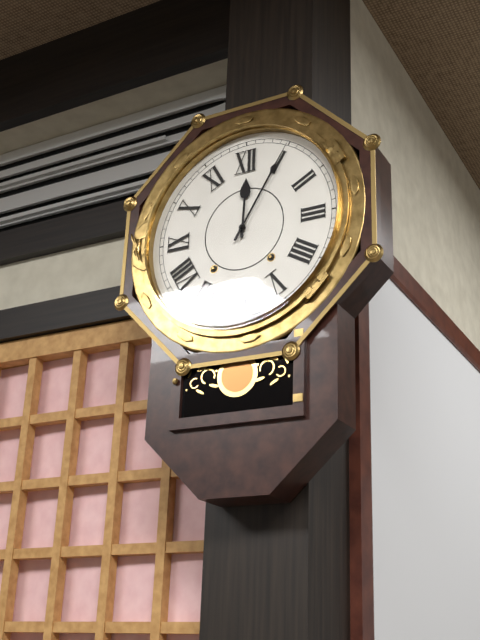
12.05
